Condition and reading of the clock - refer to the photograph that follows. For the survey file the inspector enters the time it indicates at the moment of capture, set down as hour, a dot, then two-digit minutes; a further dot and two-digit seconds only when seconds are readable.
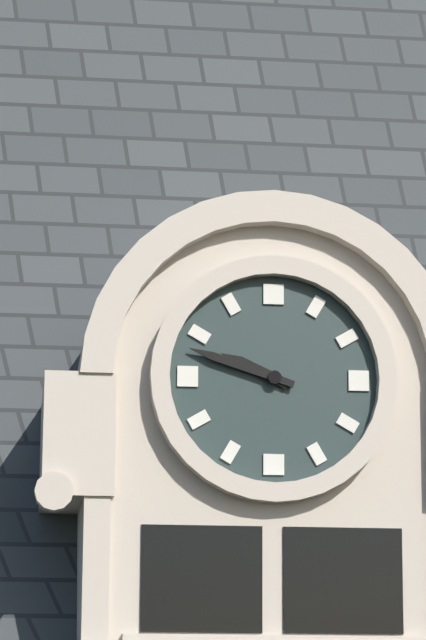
9.48
